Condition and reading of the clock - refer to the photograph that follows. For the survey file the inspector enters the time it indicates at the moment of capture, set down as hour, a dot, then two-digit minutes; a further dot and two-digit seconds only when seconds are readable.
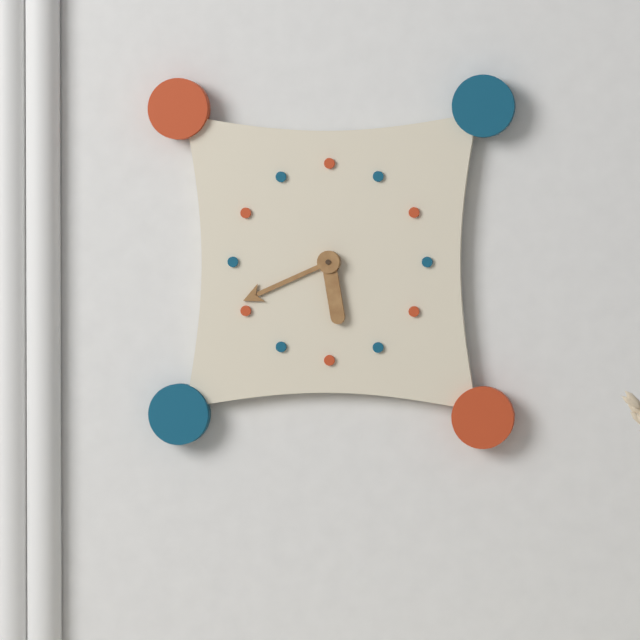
5.41
